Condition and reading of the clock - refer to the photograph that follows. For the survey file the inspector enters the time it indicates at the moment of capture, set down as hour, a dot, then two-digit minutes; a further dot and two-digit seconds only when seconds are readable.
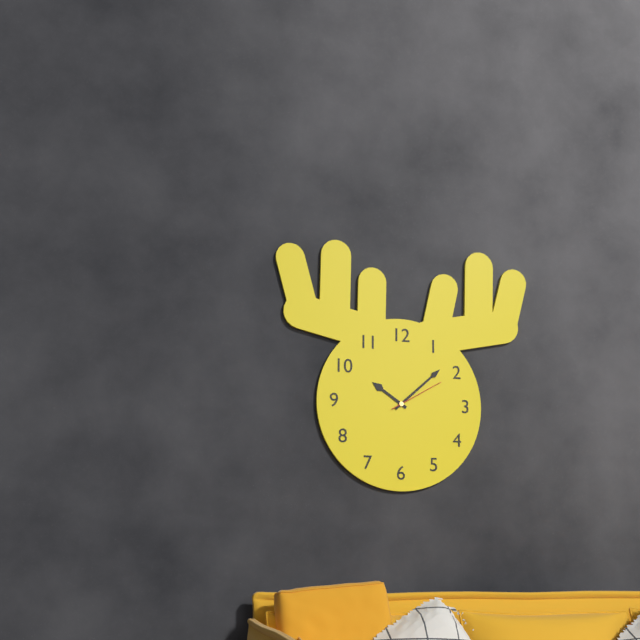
10.08.10
